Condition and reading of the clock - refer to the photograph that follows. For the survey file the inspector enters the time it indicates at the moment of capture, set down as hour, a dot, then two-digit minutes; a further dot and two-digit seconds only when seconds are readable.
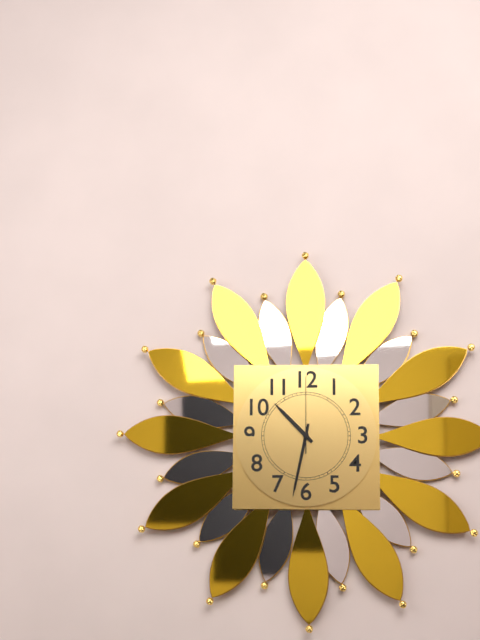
10.32.00
